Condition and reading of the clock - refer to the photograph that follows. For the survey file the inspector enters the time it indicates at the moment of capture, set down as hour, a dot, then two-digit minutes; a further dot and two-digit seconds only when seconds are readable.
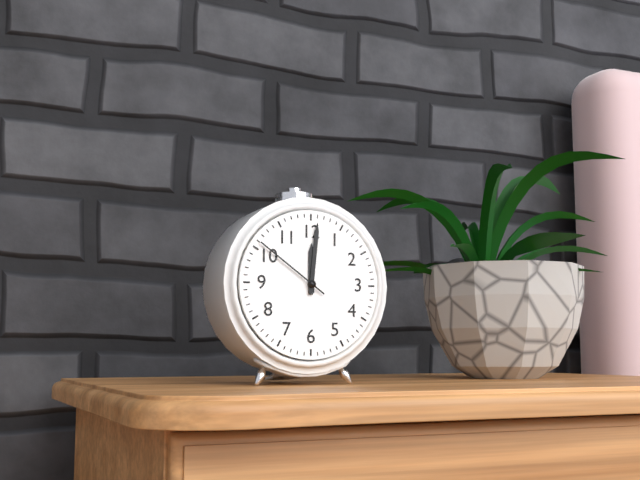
12.01.51
